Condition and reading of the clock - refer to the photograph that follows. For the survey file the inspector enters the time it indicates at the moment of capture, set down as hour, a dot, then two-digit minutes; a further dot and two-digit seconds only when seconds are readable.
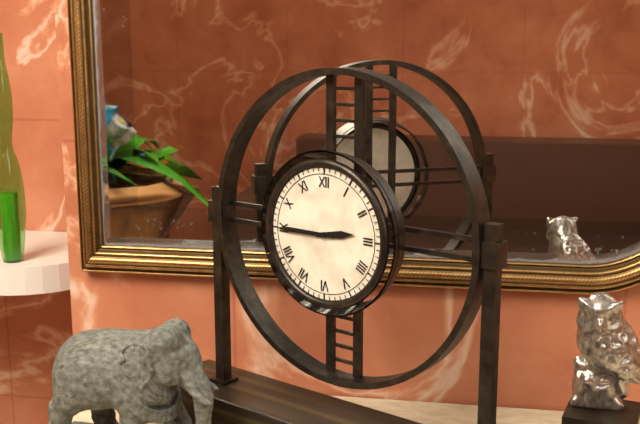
2.45
